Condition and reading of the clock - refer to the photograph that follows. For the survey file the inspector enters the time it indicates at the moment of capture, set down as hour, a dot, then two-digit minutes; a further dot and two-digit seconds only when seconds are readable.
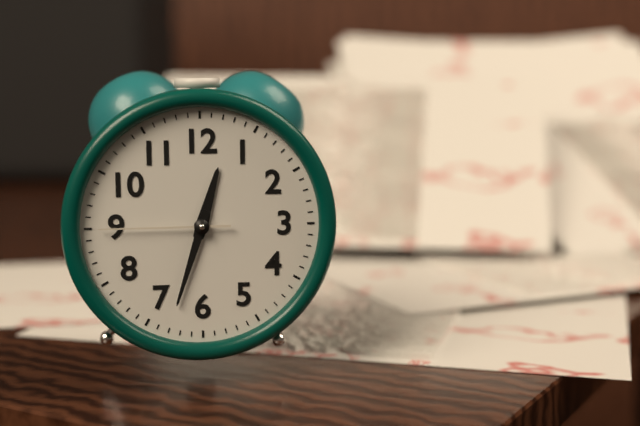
12.33.45
